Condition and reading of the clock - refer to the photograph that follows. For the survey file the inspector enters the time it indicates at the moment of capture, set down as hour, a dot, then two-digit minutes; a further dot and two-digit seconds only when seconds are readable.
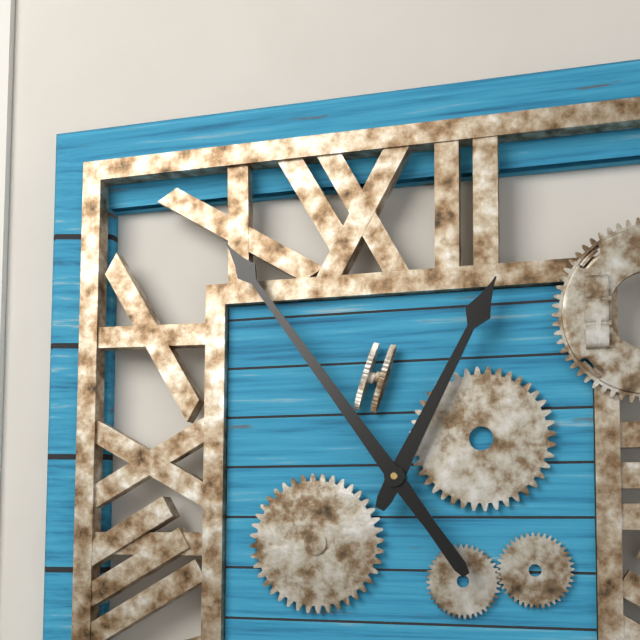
12.54
